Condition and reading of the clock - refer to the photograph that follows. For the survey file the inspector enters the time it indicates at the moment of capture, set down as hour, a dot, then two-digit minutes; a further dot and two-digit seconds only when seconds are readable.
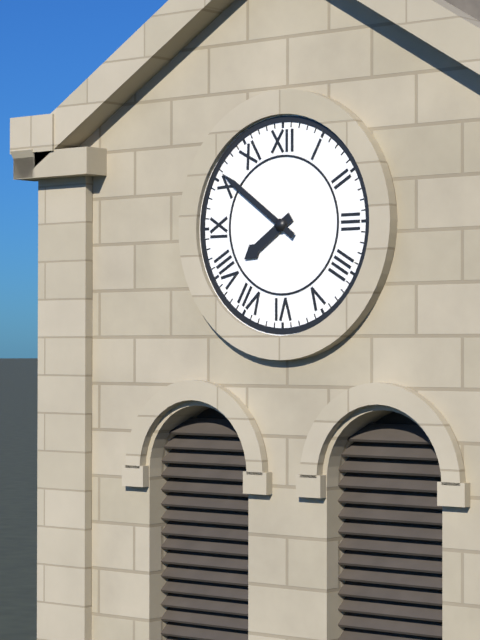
7.51
